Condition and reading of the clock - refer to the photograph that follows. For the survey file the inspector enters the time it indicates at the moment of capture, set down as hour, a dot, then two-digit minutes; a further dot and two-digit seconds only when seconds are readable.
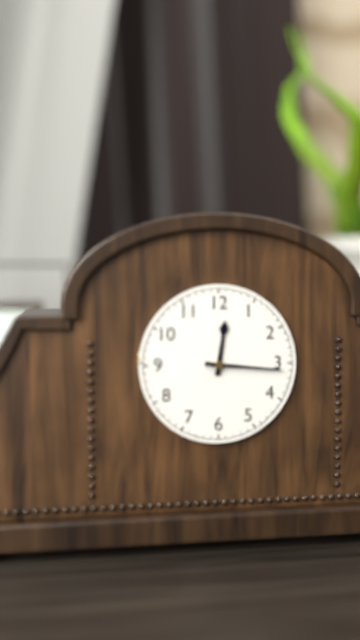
12.16
